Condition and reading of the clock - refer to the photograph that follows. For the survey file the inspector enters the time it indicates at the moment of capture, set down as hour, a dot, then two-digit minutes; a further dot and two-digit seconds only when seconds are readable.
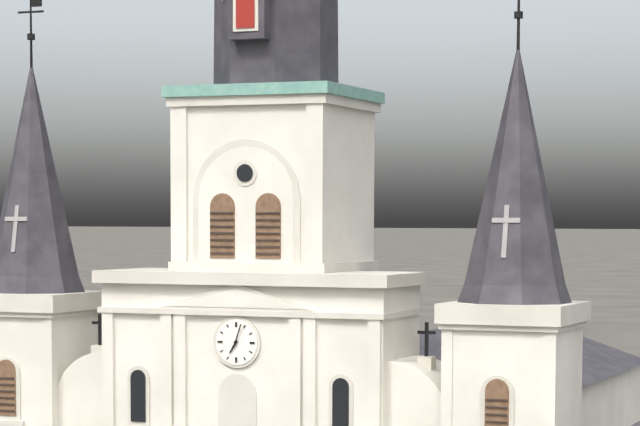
7.03
